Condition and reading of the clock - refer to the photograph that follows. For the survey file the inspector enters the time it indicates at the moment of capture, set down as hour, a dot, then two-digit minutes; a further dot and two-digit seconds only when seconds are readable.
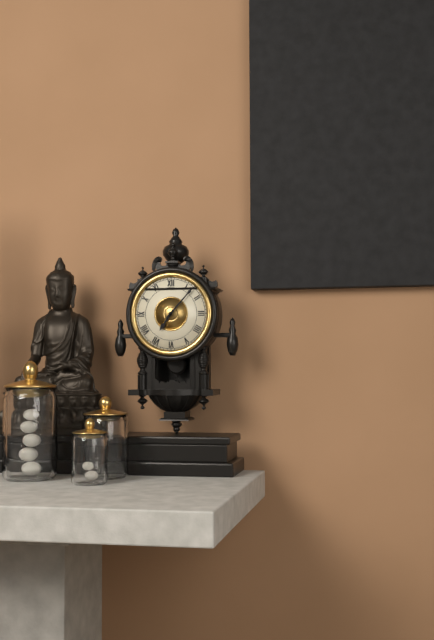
7.07
